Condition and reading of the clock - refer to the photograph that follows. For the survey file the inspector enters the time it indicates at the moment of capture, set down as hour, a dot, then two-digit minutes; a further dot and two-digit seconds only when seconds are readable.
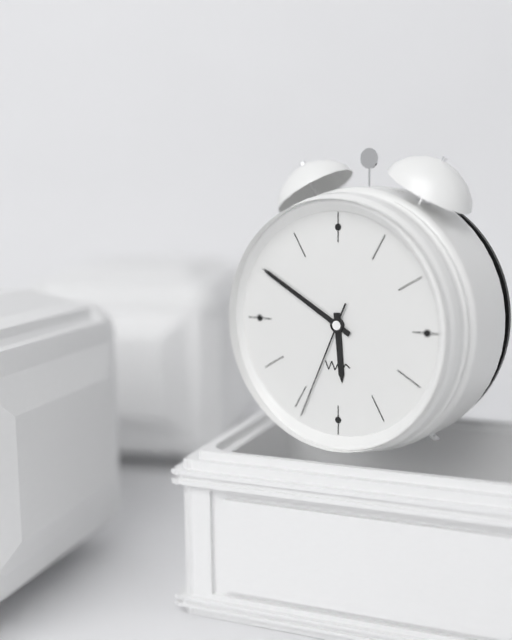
5.50.34
